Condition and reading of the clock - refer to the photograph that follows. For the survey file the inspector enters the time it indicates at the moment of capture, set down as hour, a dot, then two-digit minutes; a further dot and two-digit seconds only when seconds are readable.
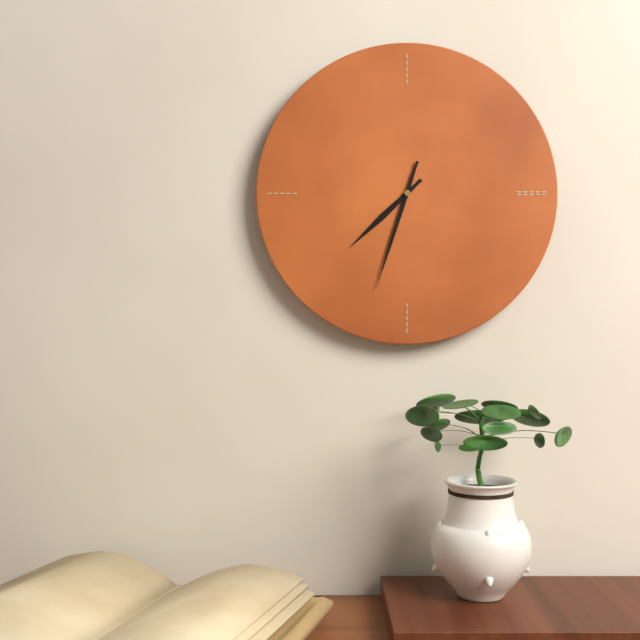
7.33
